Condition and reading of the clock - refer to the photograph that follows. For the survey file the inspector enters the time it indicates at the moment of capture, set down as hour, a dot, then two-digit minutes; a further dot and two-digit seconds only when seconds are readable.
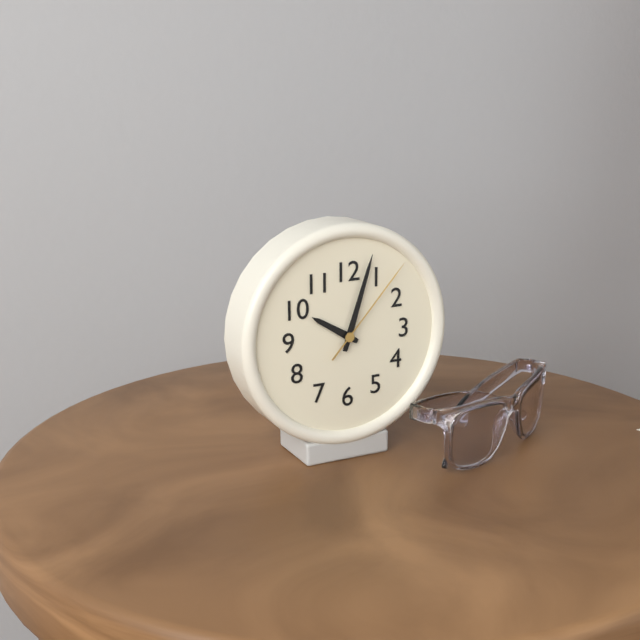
10.03.07
